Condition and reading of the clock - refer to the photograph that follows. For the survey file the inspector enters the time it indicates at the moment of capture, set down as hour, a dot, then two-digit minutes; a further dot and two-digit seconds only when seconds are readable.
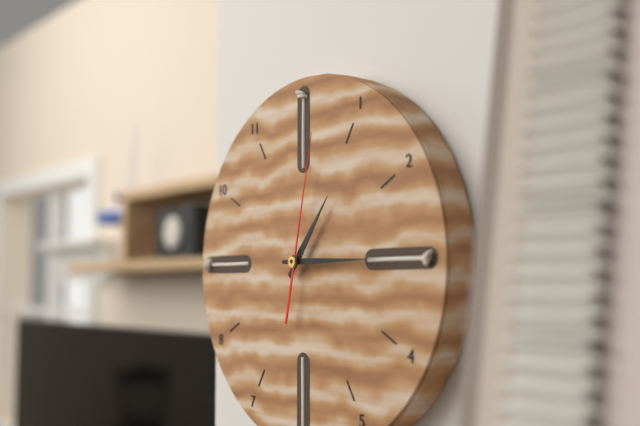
1.15.02
